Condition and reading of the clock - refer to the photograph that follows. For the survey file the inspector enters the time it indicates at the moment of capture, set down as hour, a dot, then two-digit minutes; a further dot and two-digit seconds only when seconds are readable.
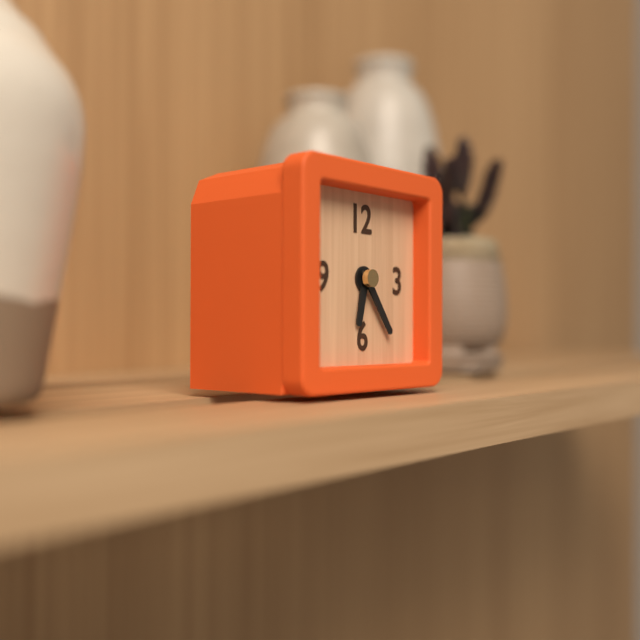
6.24
